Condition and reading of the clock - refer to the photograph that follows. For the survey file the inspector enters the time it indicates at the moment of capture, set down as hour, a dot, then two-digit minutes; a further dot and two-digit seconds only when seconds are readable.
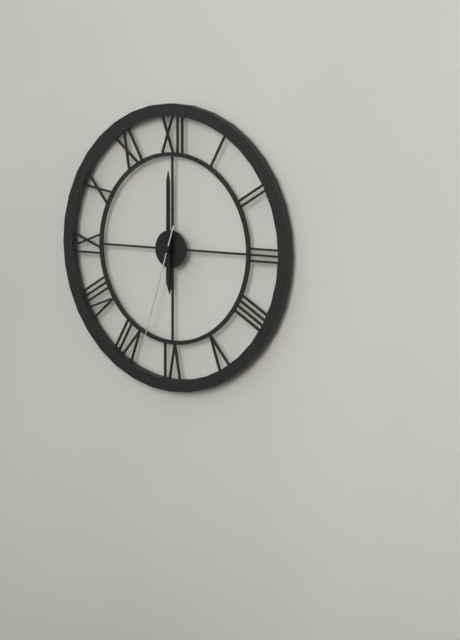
6.00.33
